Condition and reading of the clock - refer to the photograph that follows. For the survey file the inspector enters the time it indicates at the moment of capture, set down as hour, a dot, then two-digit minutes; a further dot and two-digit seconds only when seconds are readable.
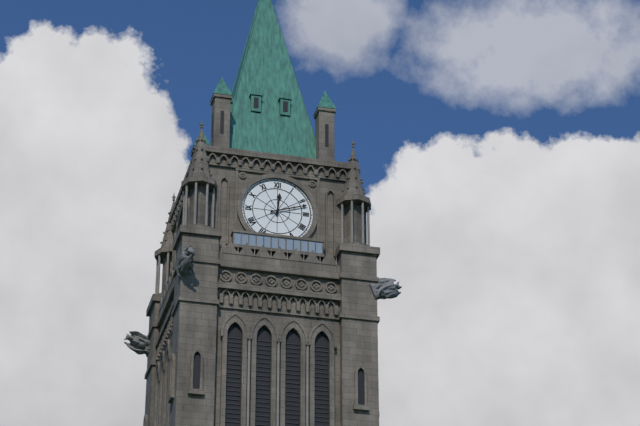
12.12
